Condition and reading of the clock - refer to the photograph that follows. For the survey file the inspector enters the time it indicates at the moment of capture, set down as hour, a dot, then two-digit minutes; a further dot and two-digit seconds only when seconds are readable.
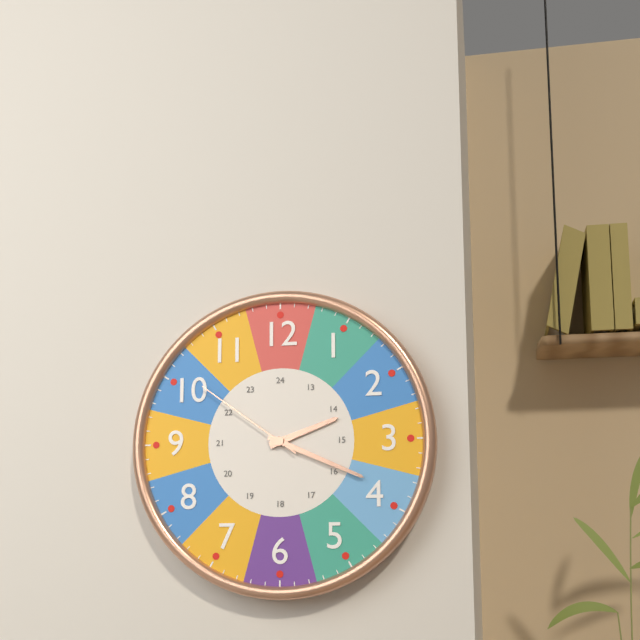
2.19.51
